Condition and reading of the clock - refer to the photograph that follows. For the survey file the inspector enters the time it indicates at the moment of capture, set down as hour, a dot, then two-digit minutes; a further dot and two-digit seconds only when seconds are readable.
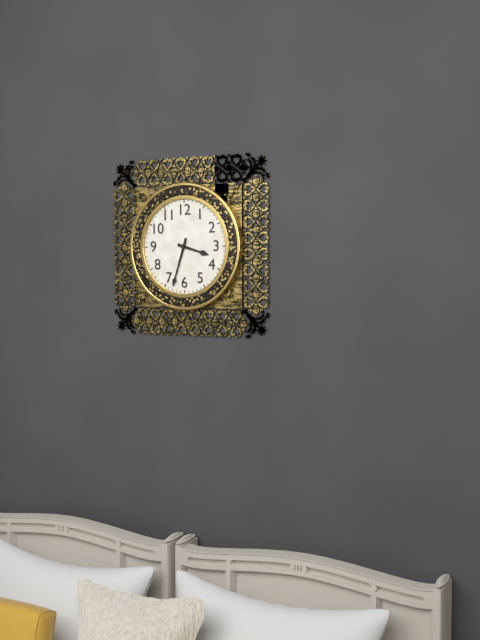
3.33
